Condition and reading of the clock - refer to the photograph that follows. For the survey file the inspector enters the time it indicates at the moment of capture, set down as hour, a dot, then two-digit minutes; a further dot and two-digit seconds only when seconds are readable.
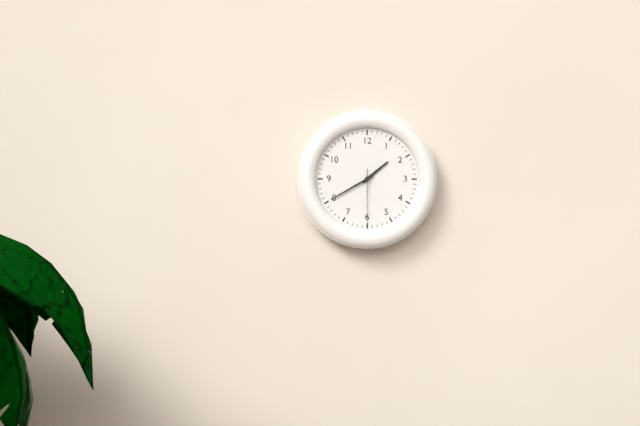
1.40.30
